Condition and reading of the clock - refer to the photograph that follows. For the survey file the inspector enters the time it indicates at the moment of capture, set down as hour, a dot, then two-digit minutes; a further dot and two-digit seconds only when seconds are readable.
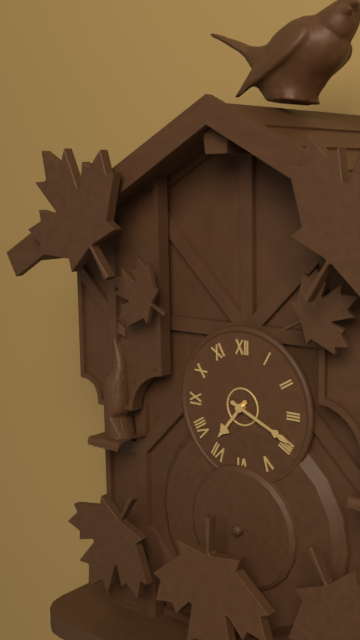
7.19
